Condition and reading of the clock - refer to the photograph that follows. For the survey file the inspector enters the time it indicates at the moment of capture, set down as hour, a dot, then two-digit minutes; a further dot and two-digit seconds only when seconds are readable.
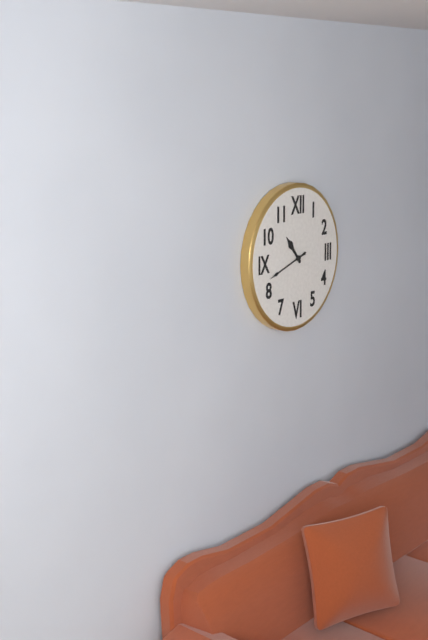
10.42
